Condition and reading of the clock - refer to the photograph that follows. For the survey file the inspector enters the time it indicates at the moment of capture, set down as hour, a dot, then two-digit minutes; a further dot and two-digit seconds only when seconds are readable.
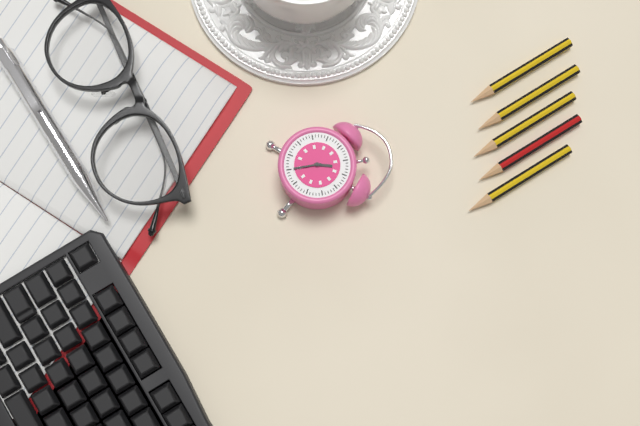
12.30
